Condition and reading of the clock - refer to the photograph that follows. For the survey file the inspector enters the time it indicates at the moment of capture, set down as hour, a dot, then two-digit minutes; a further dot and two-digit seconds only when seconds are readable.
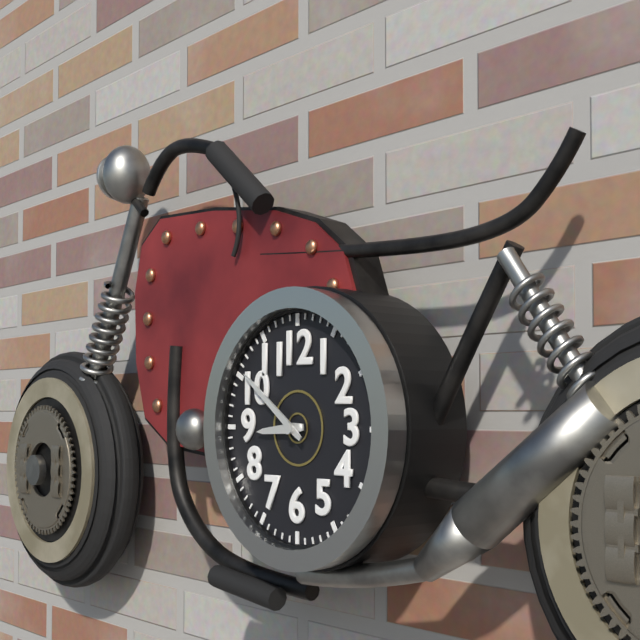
8.51
